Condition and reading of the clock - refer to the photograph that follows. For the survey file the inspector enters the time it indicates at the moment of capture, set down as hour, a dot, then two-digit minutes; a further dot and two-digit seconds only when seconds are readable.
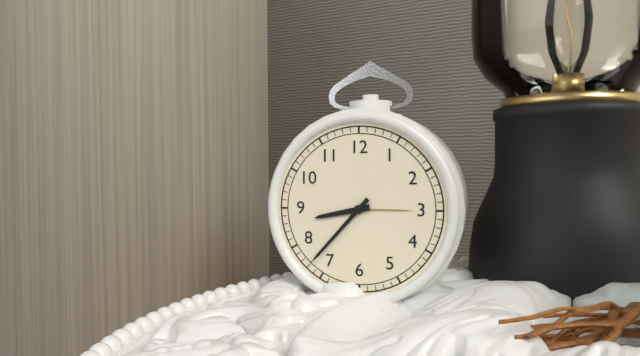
8.37
